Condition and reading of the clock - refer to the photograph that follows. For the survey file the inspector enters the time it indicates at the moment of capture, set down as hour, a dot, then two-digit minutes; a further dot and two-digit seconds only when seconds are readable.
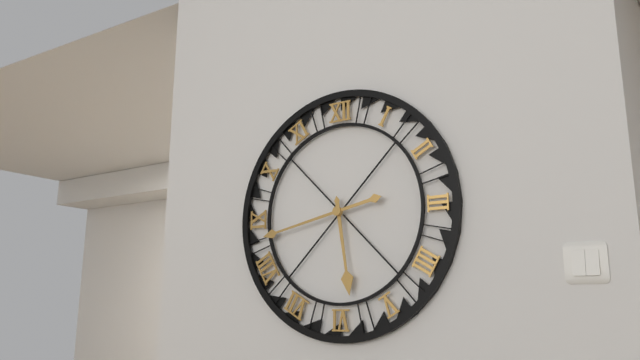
5.43
